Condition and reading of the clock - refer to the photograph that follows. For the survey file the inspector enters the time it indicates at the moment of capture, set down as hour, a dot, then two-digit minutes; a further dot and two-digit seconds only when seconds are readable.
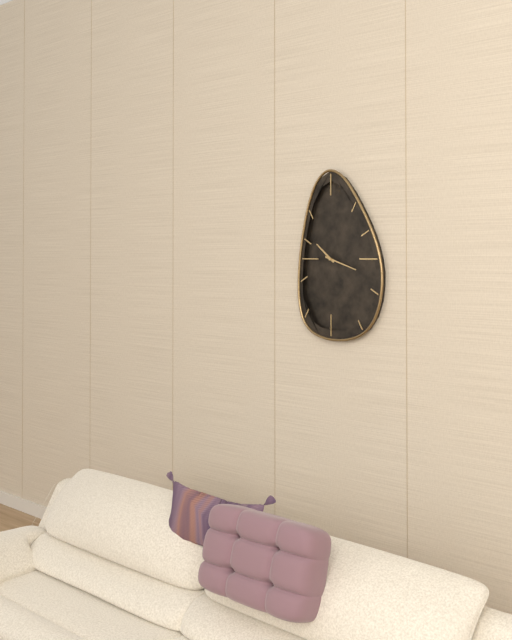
10.18
